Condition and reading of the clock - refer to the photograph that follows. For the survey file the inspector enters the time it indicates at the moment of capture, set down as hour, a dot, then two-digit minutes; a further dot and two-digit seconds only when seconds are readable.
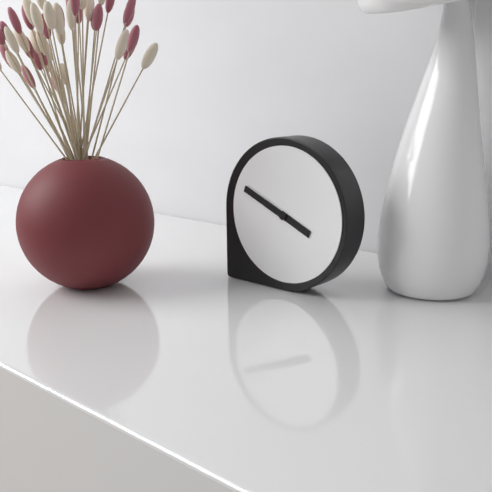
3.49
